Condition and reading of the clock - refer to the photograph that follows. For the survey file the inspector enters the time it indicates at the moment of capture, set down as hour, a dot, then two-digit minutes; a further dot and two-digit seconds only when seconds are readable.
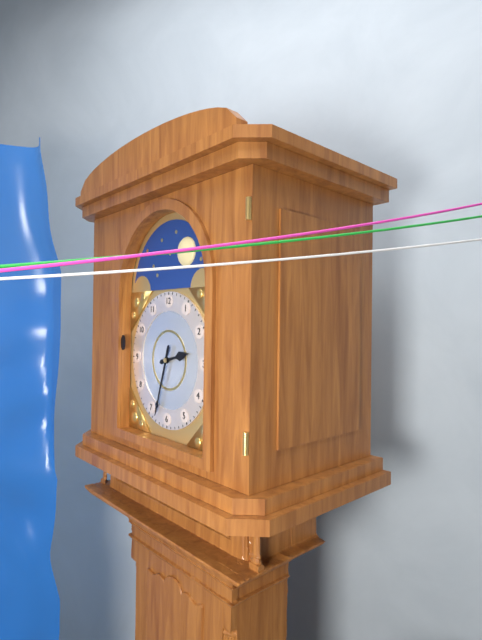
2.33
